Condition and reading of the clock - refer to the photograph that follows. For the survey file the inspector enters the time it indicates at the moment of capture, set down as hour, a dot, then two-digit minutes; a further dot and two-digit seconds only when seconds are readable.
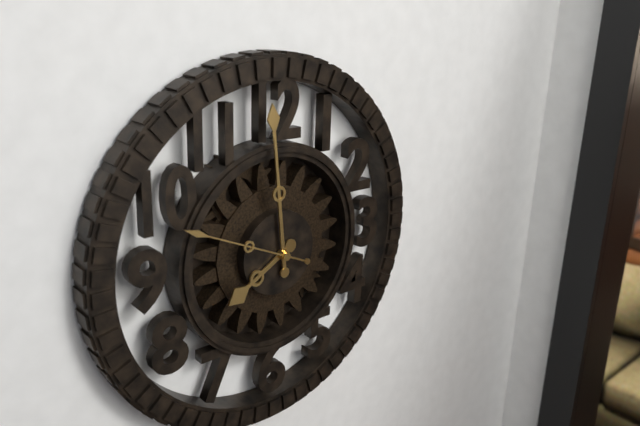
7.59.49
